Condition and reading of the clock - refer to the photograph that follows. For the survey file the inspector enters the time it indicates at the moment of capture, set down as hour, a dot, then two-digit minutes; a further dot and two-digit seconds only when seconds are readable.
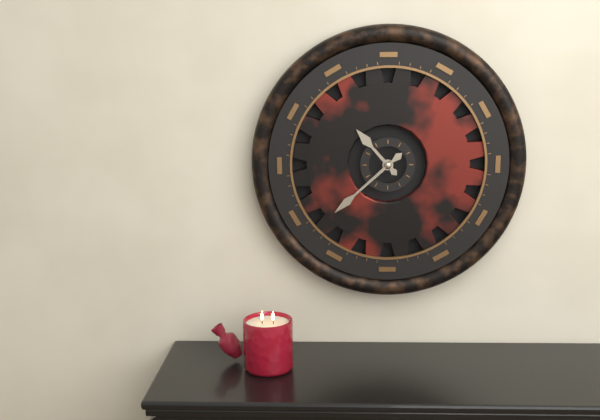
10.38
